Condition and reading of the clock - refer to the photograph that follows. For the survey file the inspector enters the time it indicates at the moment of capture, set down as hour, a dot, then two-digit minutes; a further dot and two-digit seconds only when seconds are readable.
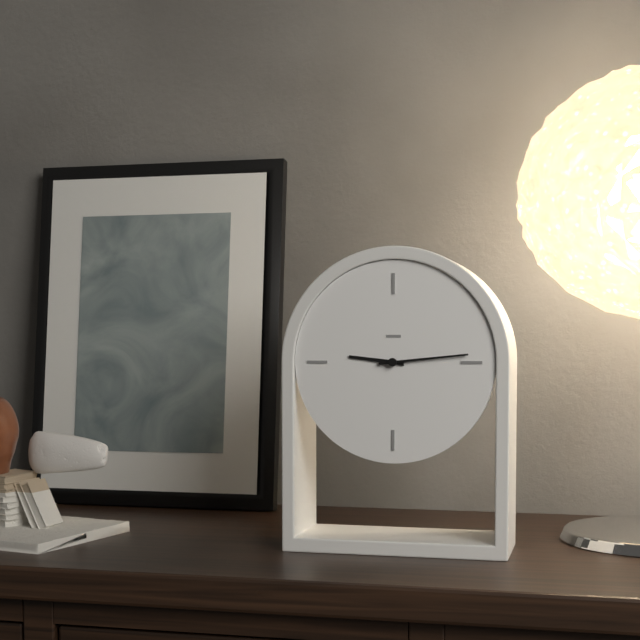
9.14
